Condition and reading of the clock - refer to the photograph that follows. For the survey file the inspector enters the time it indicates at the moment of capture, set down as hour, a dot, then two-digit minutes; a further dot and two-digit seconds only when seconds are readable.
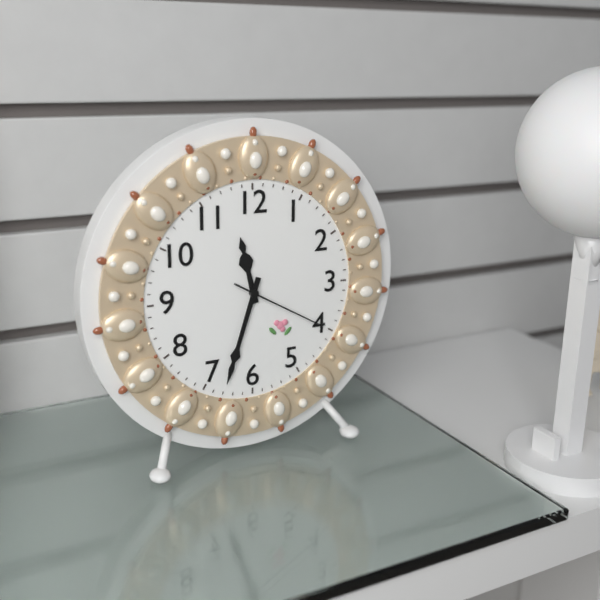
11.33.20
